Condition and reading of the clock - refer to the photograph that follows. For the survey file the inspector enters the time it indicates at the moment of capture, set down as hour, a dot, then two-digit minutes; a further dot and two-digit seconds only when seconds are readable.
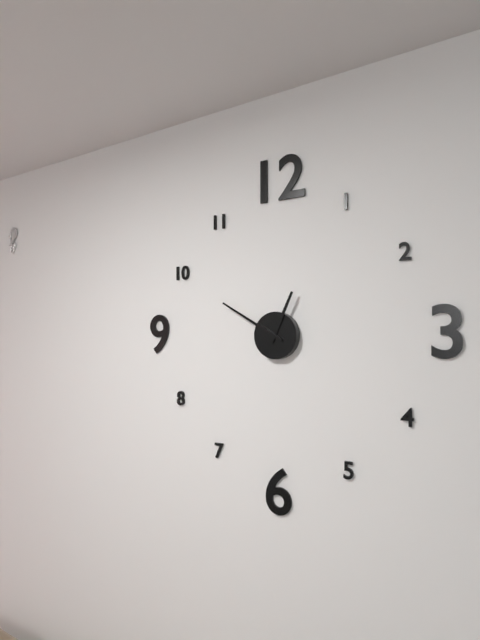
12.50
